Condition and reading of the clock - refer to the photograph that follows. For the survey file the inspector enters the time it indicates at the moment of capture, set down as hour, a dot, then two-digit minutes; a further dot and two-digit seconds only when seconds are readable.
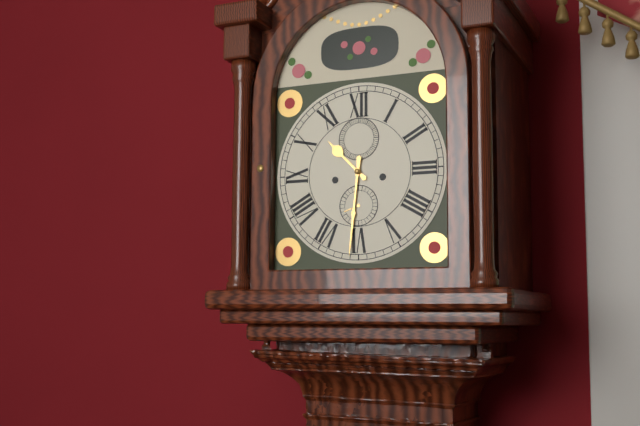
10.31
